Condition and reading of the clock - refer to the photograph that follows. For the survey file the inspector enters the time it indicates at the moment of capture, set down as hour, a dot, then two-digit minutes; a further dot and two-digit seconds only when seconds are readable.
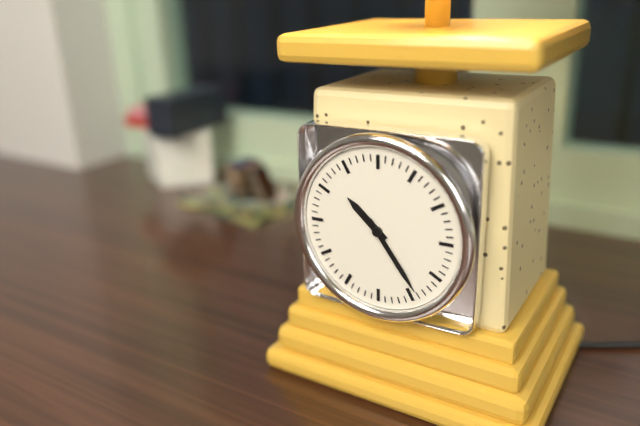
10.24
